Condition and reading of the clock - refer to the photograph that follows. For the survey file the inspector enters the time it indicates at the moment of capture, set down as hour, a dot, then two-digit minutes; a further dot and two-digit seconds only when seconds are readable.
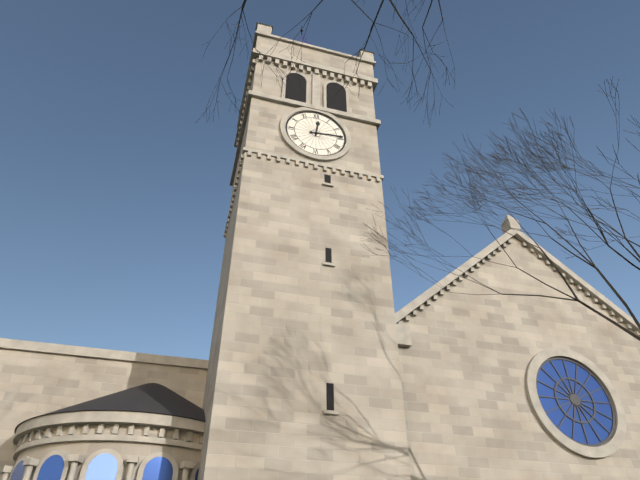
12.14
